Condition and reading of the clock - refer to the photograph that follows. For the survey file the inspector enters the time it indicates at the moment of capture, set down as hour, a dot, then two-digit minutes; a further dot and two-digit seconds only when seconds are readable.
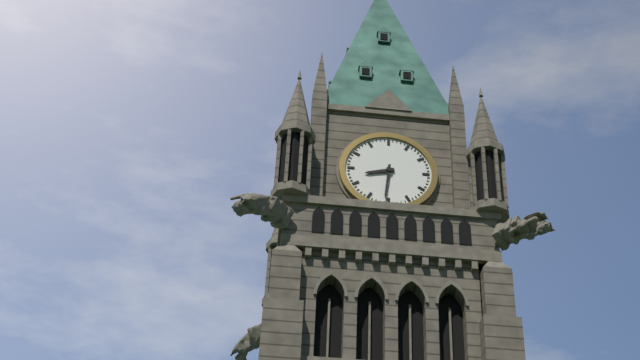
8.31
